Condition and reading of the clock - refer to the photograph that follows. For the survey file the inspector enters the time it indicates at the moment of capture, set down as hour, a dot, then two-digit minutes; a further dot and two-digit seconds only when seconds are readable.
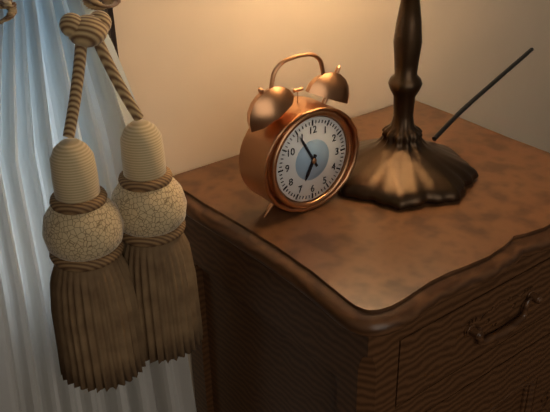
6.55
